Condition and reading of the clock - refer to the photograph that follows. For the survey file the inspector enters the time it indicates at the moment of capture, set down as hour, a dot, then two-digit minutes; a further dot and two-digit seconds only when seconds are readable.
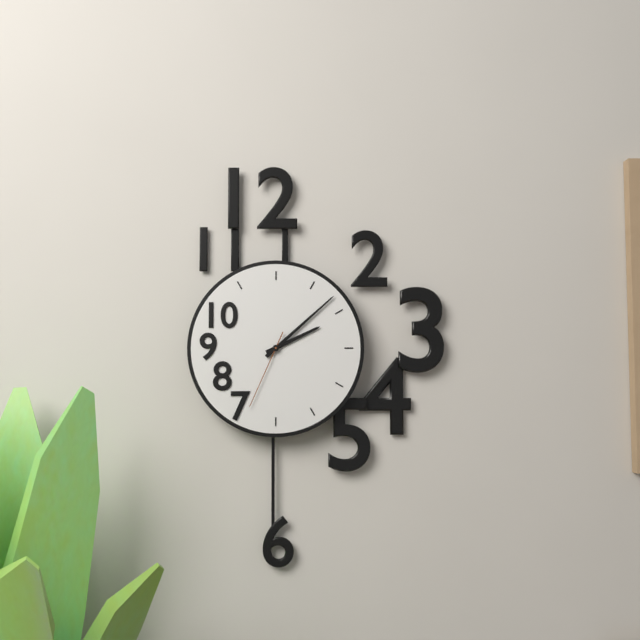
2.08.34
